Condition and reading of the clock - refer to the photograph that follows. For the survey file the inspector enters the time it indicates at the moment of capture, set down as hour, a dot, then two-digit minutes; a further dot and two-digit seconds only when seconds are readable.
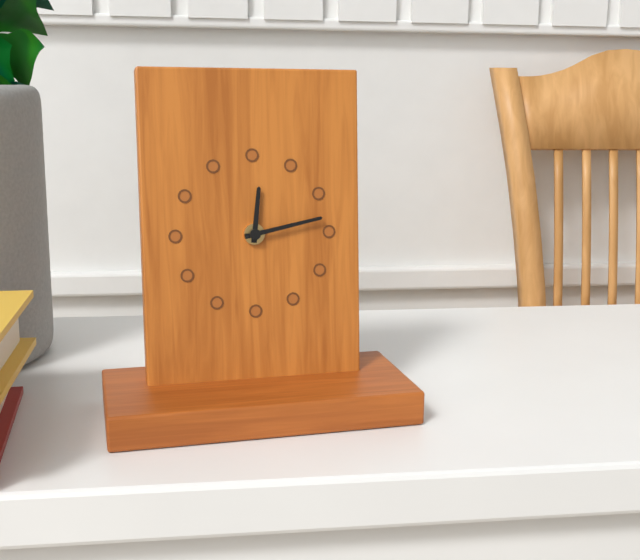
12.13
